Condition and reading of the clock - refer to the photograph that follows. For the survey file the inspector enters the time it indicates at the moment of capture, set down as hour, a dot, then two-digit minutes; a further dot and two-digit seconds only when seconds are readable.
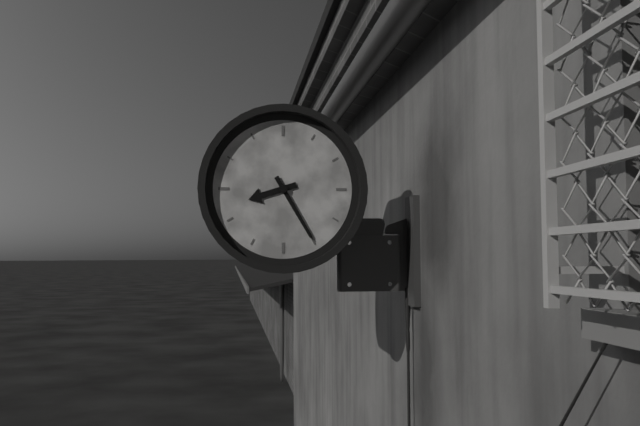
8.25
